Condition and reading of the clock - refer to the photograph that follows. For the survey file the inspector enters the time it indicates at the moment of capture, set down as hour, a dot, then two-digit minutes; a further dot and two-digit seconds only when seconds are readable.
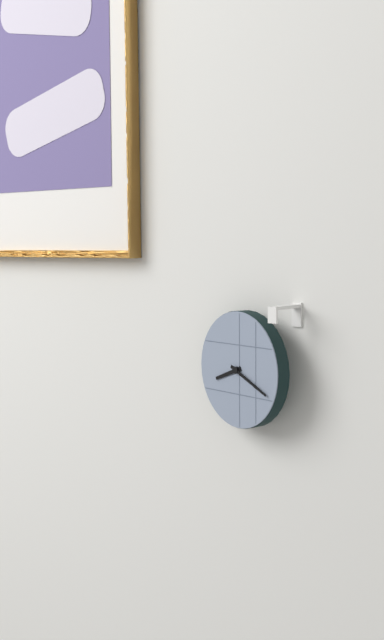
8.19
